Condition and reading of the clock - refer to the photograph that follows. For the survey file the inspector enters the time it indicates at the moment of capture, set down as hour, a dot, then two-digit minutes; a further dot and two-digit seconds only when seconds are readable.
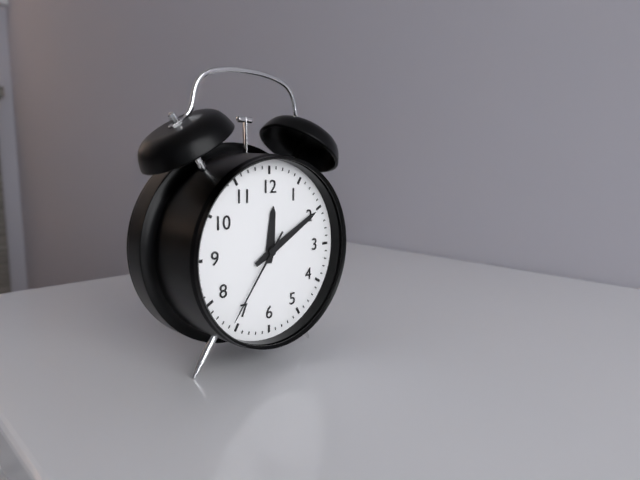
12.10.36
